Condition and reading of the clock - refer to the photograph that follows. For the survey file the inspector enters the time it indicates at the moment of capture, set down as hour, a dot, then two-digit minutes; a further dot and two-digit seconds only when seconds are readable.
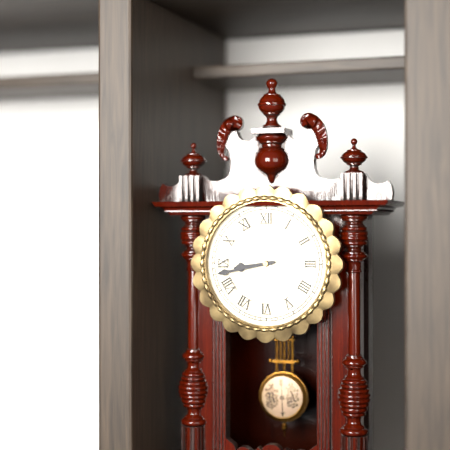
8.43
